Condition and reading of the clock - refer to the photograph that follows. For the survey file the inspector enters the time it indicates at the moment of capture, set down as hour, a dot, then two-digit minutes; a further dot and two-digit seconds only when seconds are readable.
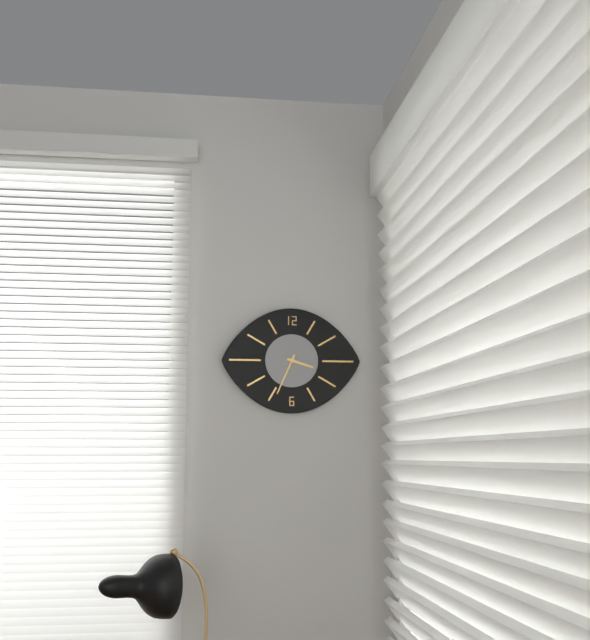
3.34
